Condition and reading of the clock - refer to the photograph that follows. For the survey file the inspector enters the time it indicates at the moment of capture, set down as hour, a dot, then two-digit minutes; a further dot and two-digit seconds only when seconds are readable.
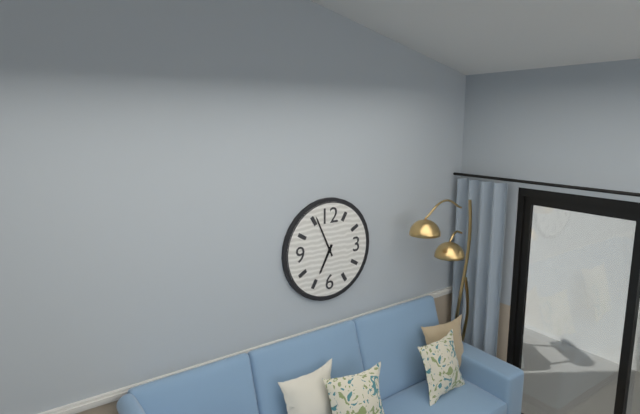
6.56
